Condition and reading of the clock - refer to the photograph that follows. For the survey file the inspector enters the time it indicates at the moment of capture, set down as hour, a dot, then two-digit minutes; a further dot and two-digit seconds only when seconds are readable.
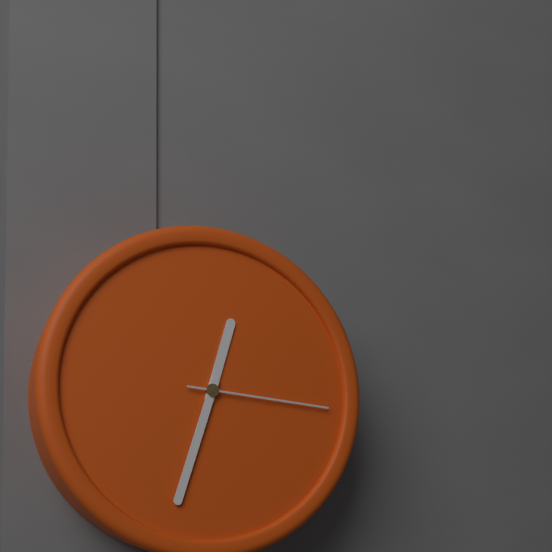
12.33.16
